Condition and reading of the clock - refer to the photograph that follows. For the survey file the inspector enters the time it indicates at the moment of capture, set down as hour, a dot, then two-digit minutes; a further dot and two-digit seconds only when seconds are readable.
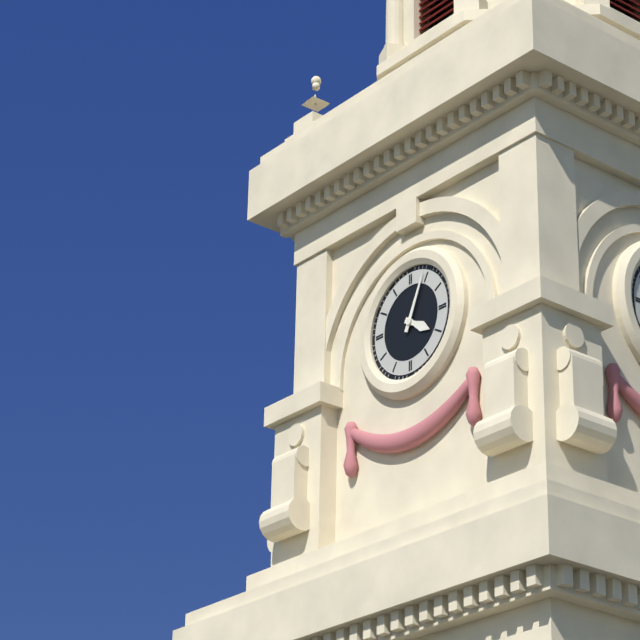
4.04
